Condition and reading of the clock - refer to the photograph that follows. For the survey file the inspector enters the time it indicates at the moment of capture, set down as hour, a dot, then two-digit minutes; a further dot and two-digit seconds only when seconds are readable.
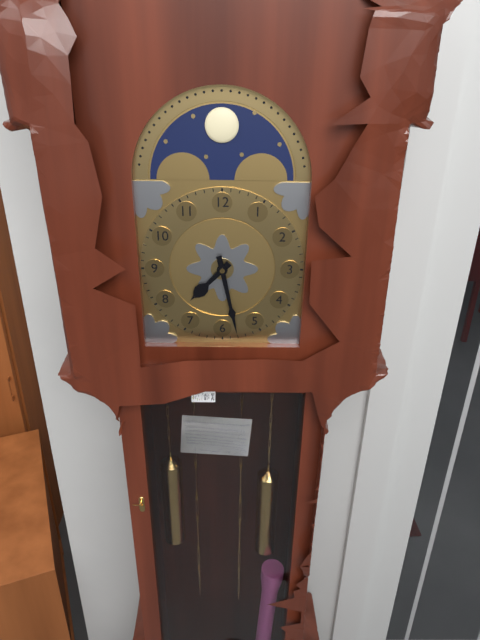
7.28
